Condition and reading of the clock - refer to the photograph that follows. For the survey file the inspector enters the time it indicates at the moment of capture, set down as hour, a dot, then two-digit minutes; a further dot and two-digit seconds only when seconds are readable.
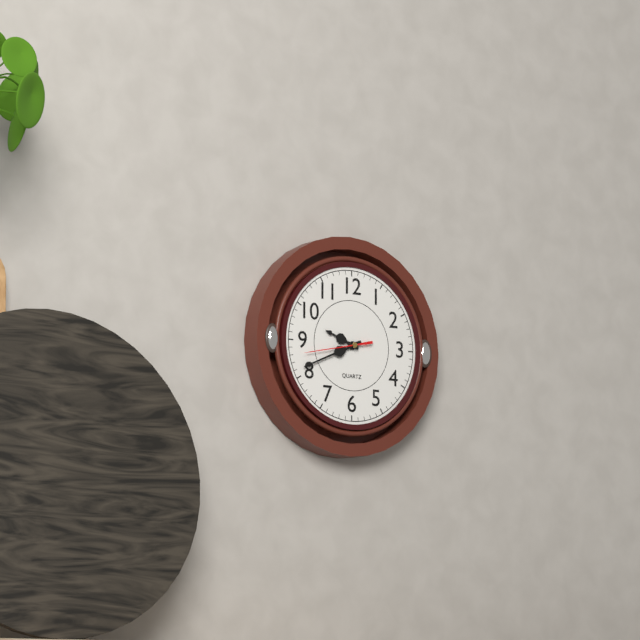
9.41.43
